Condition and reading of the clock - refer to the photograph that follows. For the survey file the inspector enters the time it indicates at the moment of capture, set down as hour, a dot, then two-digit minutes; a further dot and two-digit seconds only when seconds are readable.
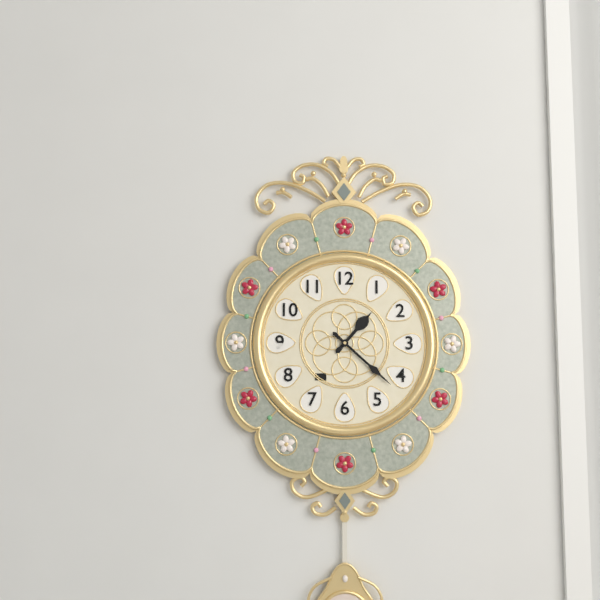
1.22
